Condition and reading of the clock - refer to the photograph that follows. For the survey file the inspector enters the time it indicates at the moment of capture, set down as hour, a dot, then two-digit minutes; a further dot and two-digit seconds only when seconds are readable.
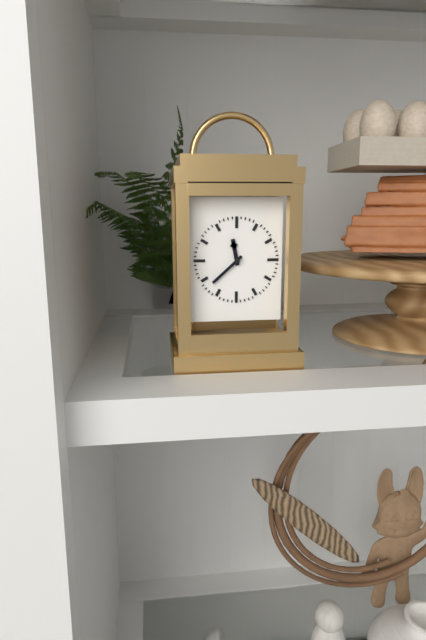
11.38
